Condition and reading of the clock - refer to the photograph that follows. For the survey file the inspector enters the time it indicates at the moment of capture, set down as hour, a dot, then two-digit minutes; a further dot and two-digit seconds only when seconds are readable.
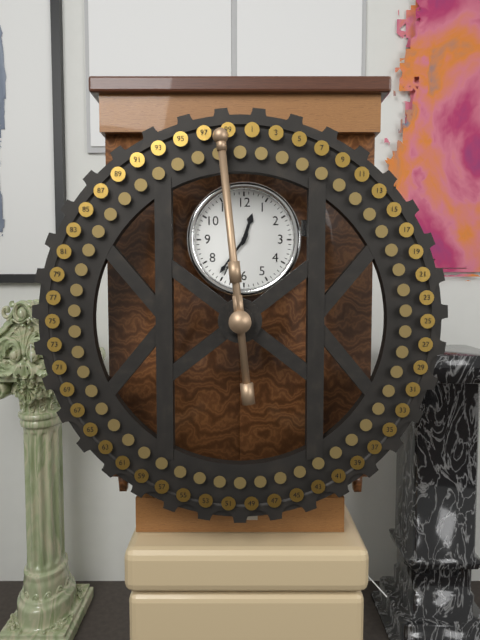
12.36
